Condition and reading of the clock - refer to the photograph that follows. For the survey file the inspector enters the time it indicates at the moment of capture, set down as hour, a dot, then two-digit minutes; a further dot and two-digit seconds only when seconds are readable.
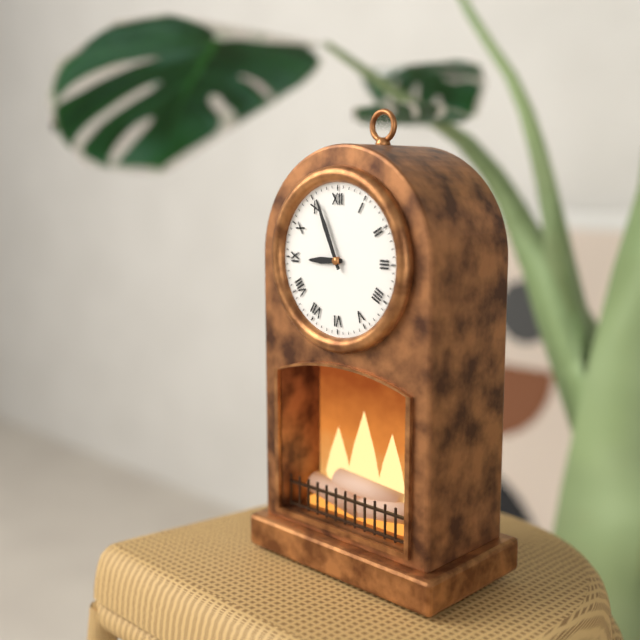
8.56
